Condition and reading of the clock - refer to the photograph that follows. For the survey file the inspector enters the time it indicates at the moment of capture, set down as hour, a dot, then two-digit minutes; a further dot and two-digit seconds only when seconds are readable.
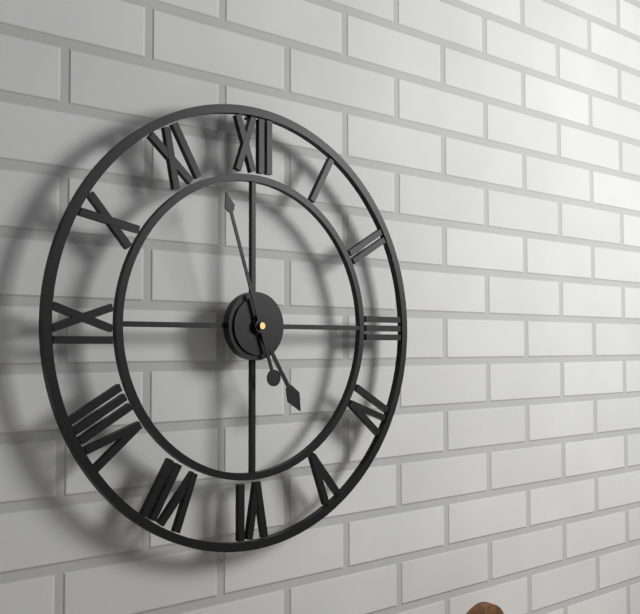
4.57
